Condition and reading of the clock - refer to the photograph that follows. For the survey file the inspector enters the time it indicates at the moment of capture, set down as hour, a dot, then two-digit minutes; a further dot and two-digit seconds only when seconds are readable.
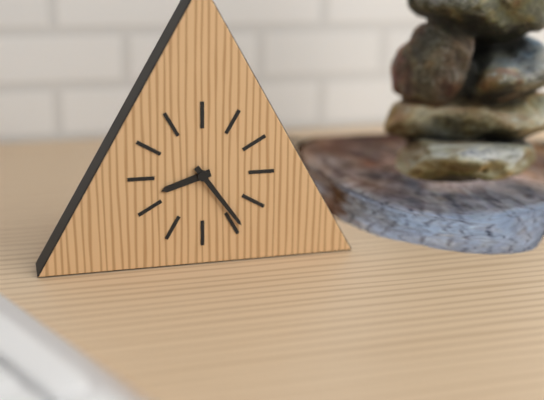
8.24
